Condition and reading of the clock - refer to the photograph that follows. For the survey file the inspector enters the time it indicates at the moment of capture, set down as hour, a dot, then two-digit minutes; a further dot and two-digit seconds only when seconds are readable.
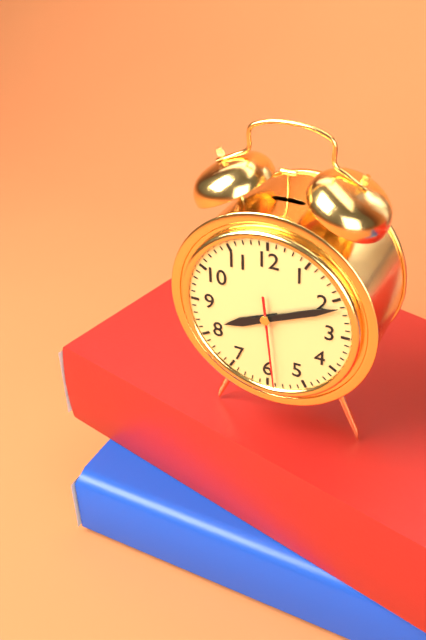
8.11.29
